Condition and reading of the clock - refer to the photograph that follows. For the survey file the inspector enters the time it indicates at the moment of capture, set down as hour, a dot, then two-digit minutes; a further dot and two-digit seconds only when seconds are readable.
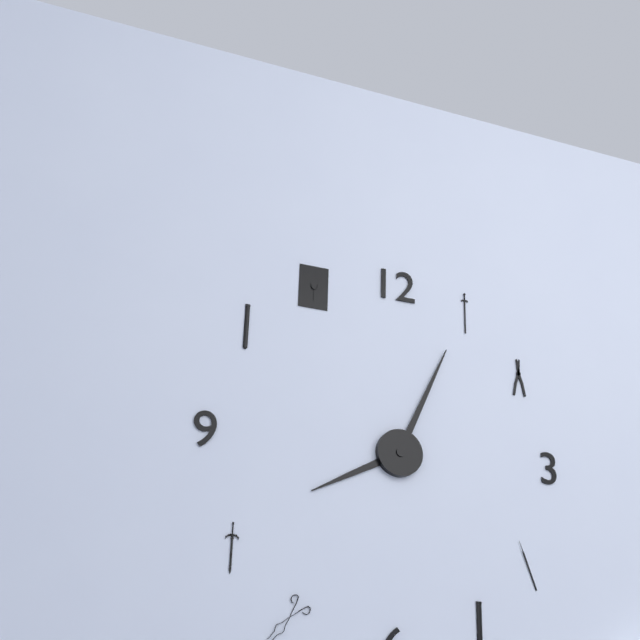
8.04
